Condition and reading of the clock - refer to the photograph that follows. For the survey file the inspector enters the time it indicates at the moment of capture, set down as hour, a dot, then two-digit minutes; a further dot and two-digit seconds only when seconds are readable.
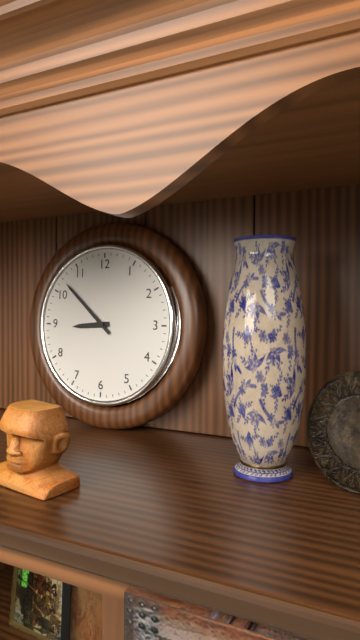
8.52
